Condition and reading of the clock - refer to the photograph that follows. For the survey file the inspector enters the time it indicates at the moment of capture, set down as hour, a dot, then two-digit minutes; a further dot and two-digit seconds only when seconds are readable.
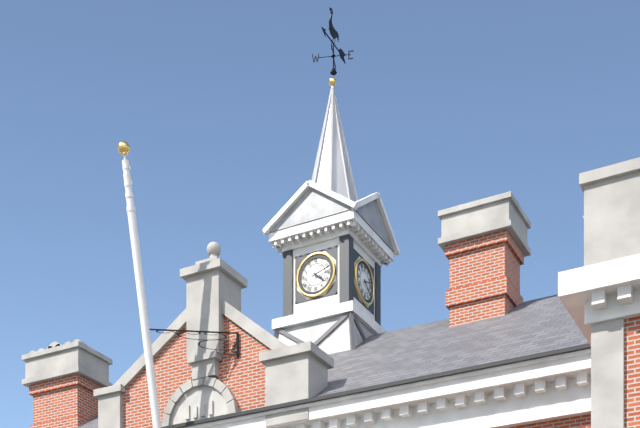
4.12
